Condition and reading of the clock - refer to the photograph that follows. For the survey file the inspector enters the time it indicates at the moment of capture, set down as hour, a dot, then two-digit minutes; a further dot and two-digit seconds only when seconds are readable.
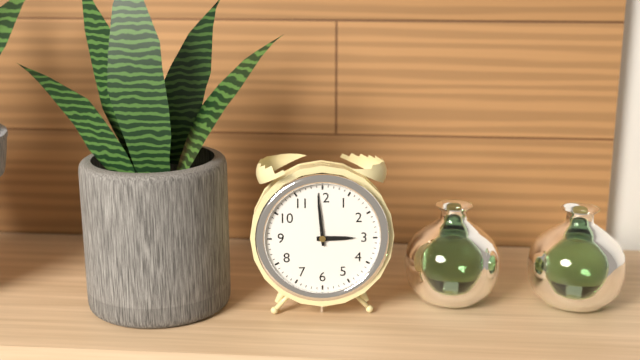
2.59
